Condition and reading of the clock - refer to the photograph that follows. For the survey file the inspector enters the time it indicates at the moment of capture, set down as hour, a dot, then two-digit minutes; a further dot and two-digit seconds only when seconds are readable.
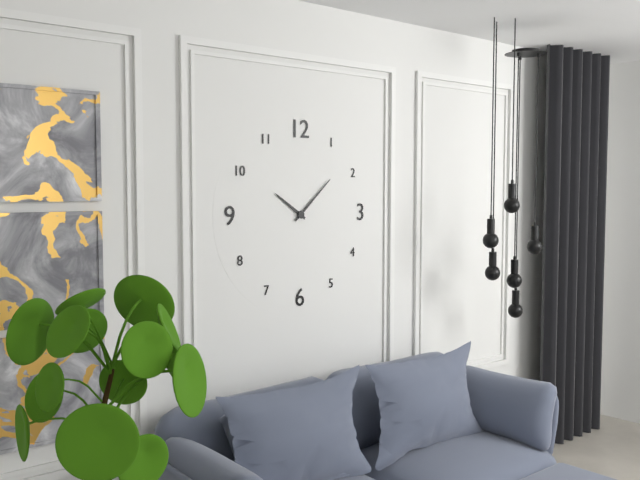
10.08
